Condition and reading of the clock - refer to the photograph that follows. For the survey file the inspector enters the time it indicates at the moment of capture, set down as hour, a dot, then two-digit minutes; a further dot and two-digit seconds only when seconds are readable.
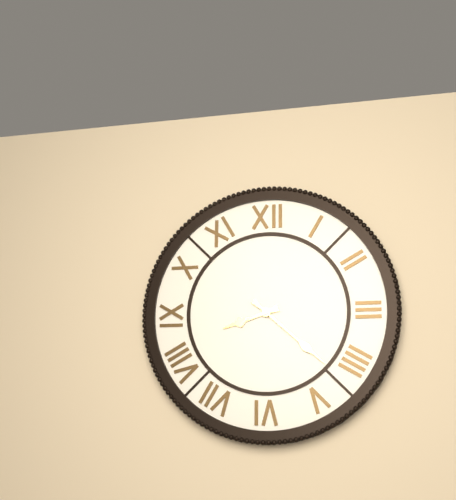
8.22
